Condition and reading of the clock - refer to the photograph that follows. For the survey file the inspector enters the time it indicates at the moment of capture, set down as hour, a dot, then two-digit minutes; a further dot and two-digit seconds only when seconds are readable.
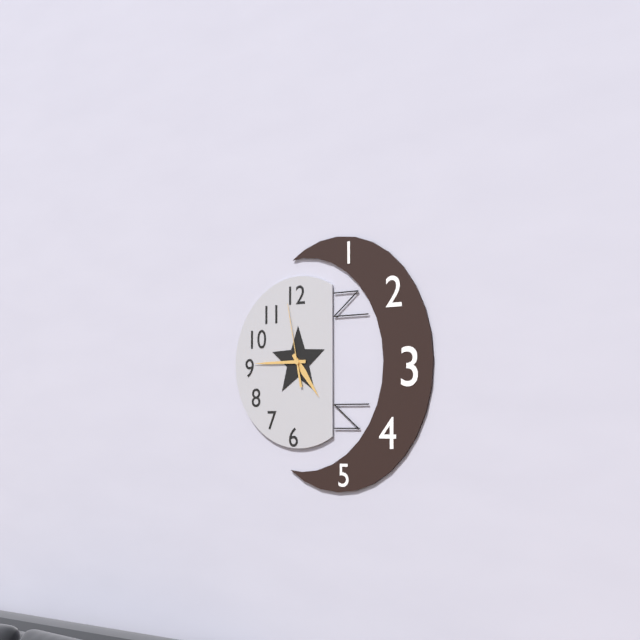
4.45.58
